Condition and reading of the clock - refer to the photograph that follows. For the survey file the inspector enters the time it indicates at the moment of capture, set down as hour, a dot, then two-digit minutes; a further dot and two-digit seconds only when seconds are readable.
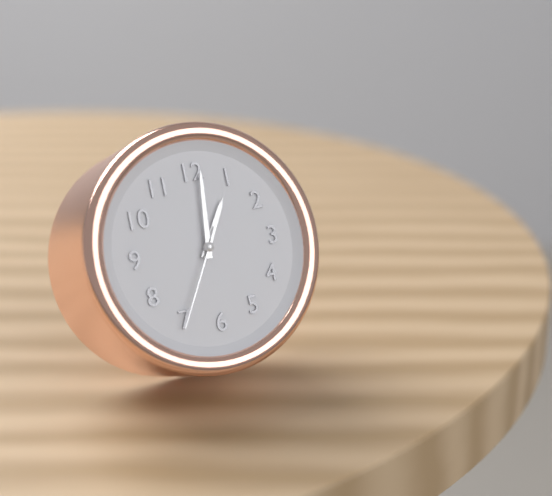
1.01.35
